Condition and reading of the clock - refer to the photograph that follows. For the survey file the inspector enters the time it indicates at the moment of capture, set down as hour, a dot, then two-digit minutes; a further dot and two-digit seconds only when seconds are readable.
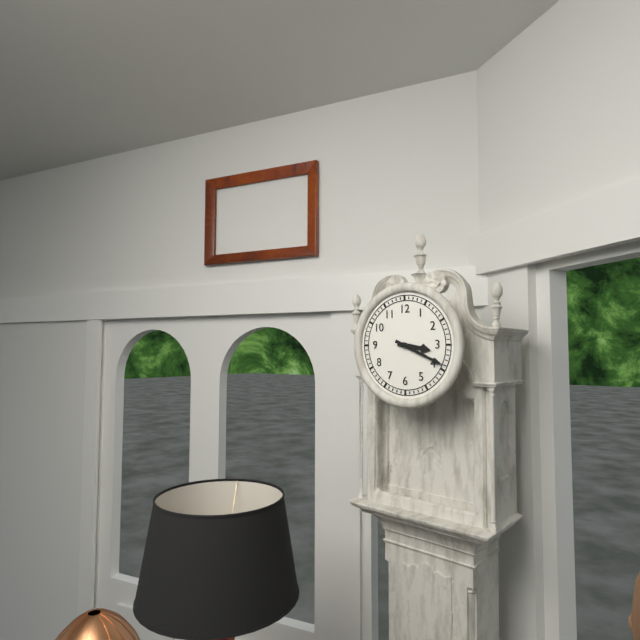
3.19
